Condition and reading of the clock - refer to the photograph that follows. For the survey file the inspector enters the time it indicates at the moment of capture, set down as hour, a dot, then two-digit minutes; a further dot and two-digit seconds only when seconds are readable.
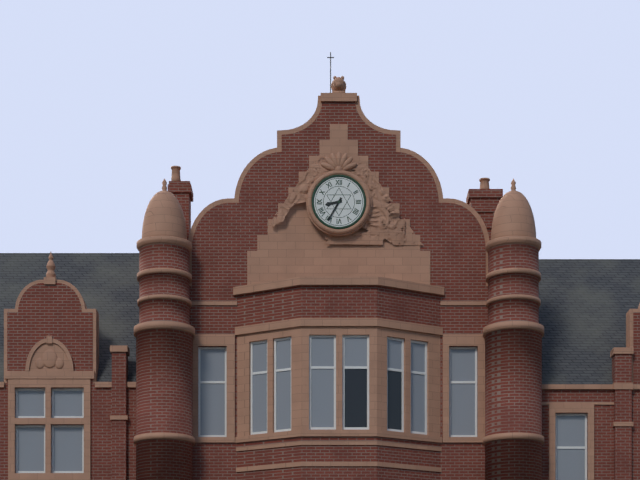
8.35
